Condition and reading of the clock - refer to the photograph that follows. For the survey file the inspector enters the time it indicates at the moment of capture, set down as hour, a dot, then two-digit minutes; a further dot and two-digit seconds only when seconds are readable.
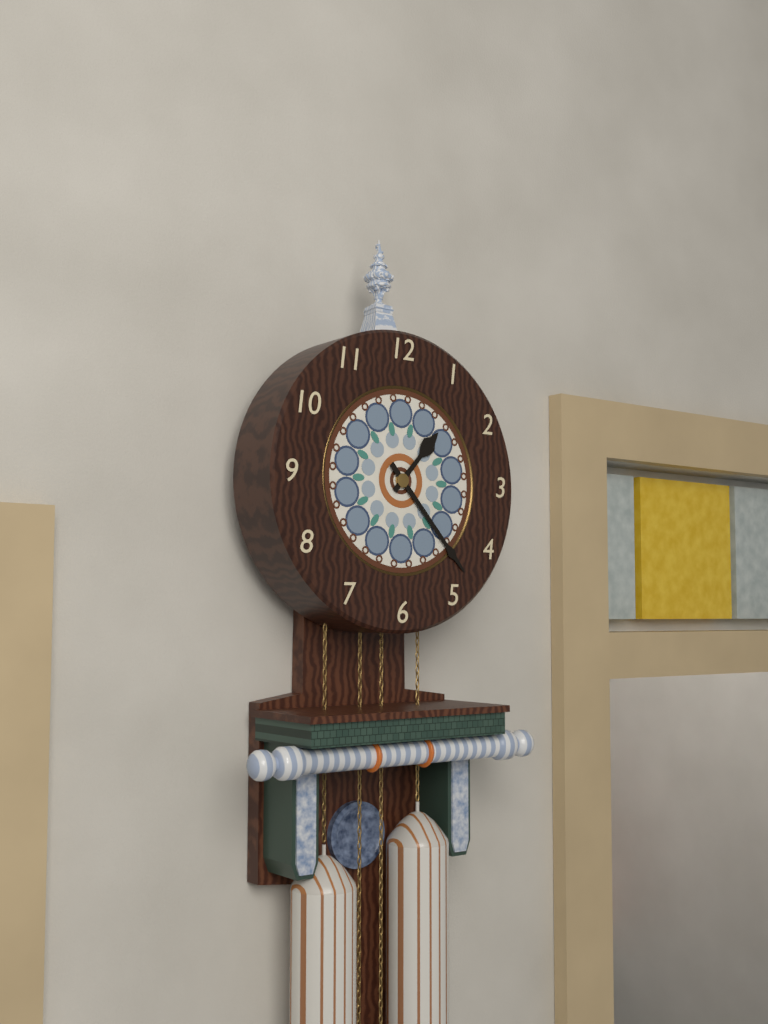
1.23
